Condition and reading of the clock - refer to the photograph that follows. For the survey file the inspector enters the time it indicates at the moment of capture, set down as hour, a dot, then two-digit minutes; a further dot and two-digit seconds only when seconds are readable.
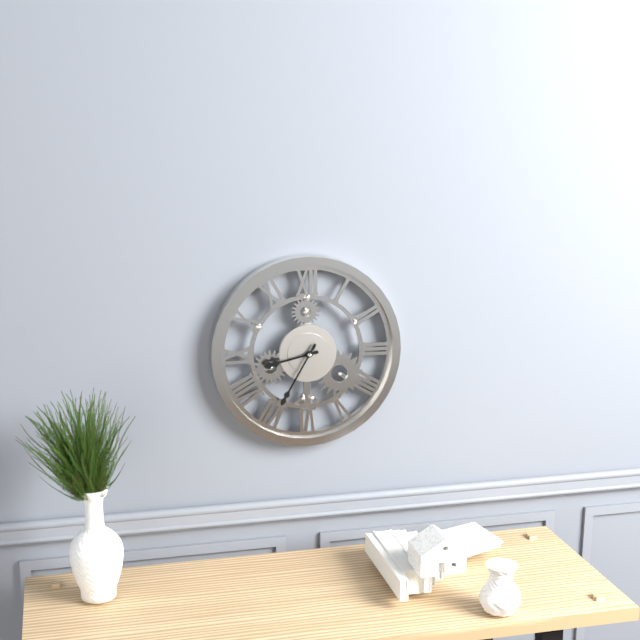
8.35
